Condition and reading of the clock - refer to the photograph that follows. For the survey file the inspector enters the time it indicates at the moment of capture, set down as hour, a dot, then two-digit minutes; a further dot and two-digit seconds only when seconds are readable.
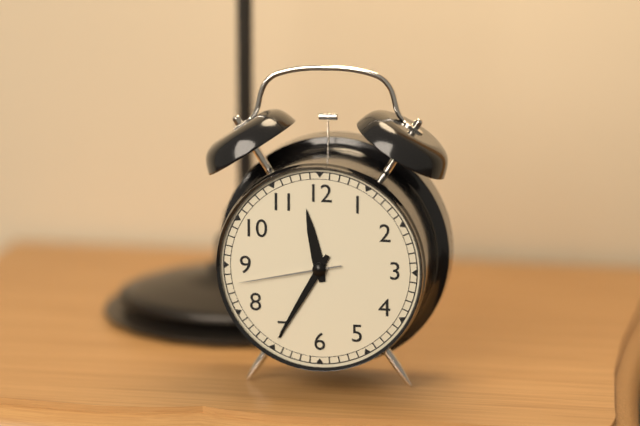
11.35.43
